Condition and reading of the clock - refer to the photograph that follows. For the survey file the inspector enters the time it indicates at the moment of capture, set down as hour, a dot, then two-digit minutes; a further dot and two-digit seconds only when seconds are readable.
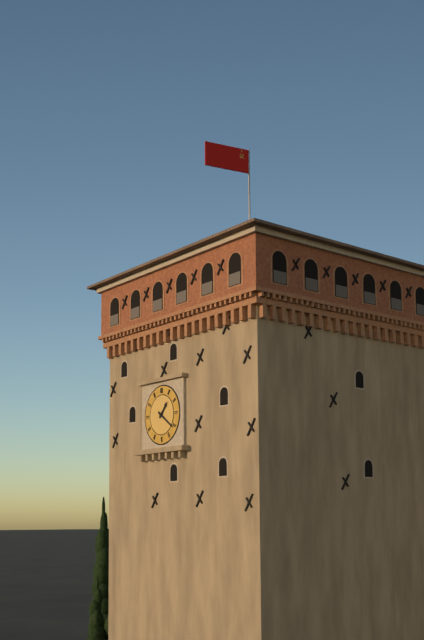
1.21
